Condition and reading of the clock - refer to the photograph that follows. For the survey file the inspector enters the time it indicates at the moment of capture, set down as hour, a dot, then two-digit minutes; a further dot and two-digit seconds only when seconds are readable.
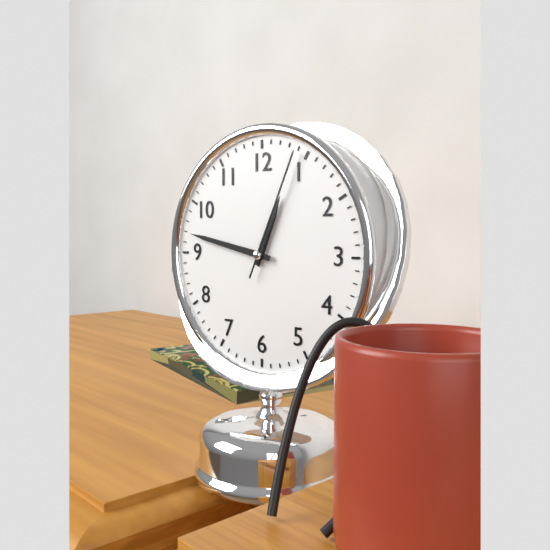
12.47.04
